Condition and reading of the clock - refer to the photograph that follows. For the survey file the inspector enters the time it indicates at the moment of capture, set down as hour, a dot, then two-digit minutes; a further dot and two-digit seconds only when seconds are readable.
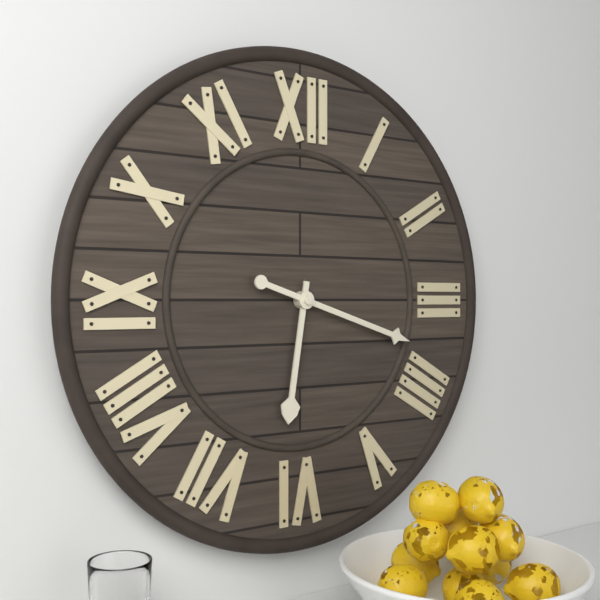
6.18
